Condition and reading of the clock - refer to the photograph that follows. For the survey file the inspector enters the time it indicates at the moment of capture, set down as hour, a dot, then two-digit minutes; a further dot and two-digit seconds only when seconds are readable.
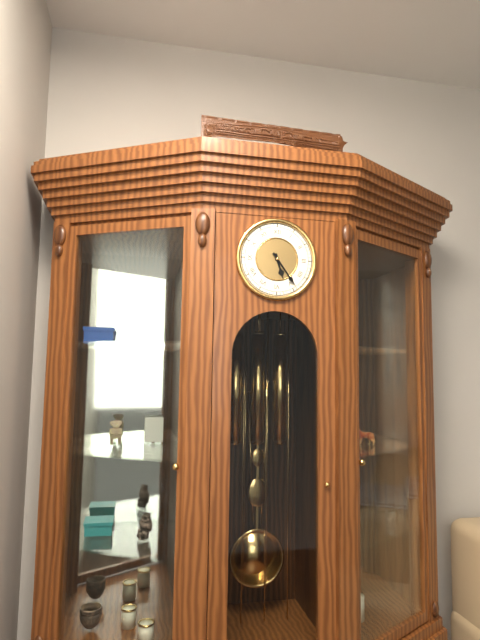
5.24
